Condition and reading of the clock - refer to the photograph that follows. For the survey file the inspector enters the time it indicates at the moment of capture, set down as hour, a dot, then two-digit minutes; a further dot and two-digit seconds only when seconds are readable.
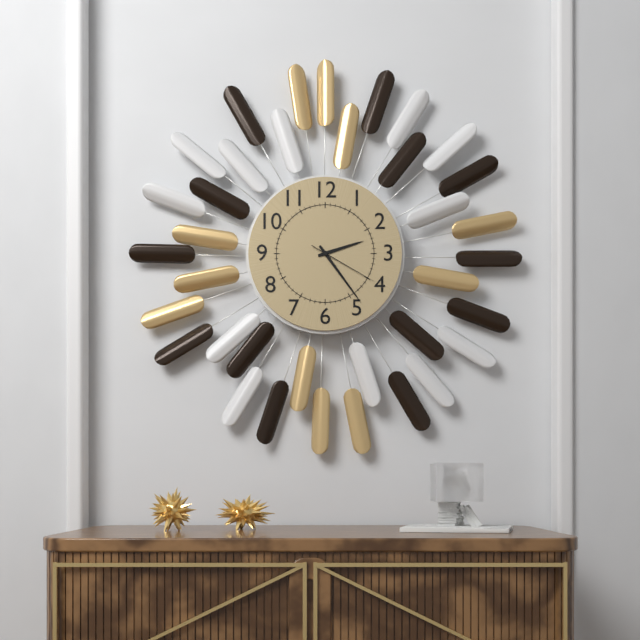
2.24.20
